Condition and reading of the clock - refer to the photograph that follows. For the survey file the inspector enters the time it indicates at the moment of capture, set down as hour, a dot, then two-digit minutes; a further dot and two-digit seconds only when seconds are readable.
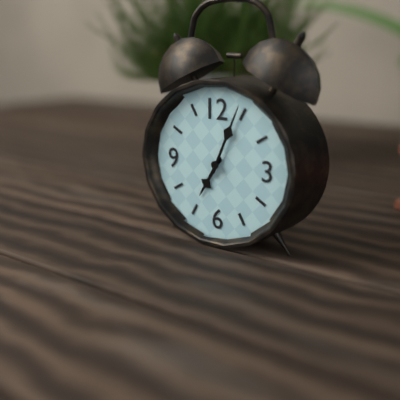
7.04
